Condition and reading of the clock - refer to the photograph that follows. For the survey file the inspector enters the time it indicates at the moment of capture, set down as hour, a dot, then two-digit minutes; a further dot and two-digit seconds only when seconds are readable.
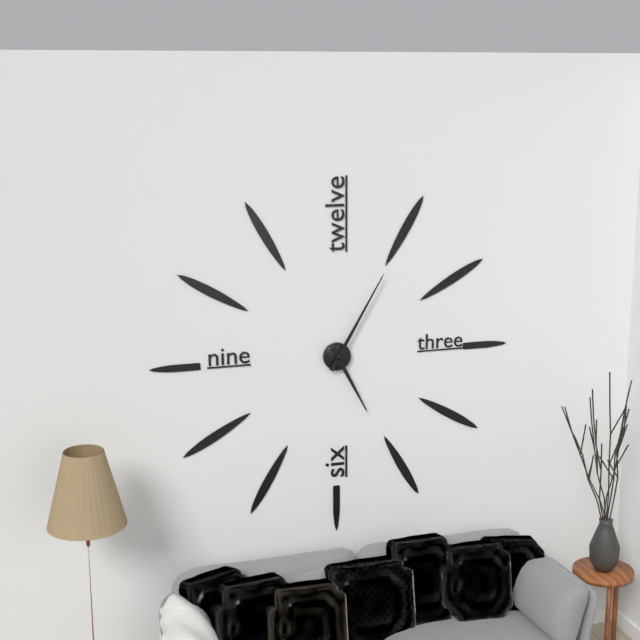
5.05
